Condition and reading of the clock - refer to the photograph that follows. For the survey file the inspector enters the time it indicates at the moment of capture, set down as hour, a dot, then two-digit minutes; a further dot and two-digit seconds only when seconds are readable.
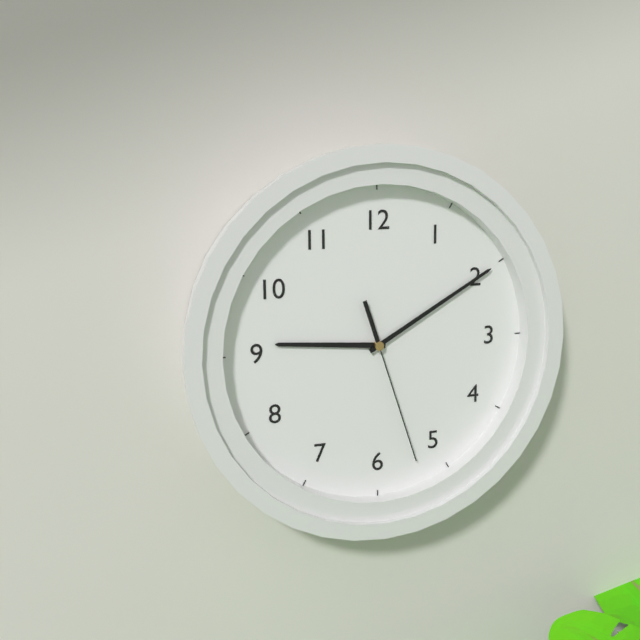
9.10.27
